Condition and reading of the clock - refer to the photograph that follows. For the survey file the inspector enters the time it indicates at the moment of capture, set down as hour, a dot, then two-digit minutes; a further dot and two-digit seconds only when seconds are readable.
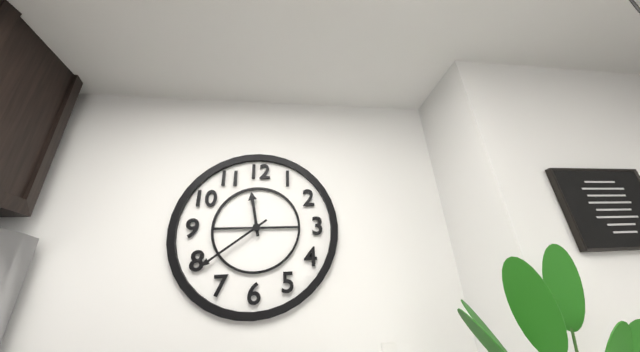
11.39
